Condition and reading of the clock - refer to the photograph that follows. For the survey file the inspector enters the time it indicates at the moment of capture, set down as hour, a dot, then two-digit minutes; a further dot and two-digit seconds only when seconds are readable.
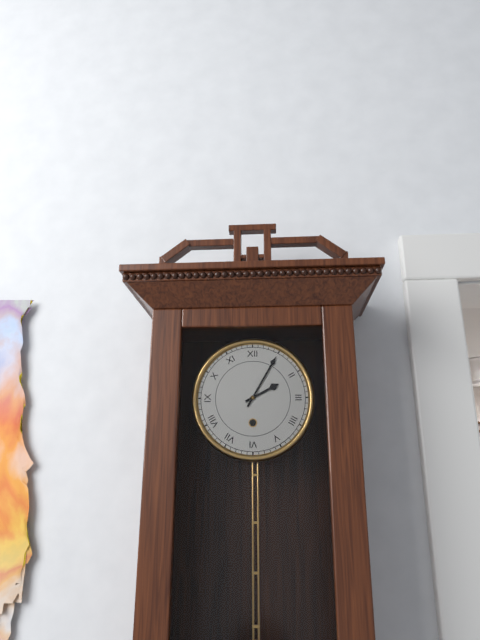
2.05
